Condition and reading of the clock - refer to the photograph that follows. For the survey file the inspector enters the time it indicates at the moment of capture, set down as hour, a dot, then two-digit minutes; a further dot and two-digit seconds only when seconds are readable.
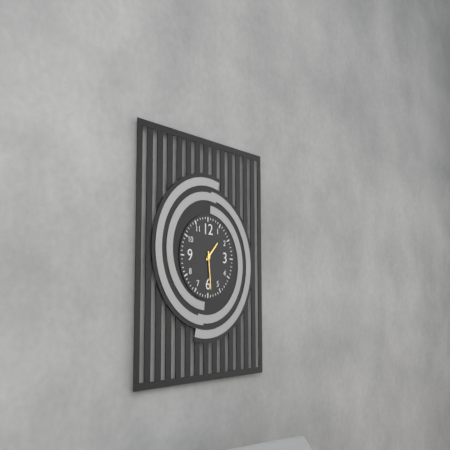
1.29
